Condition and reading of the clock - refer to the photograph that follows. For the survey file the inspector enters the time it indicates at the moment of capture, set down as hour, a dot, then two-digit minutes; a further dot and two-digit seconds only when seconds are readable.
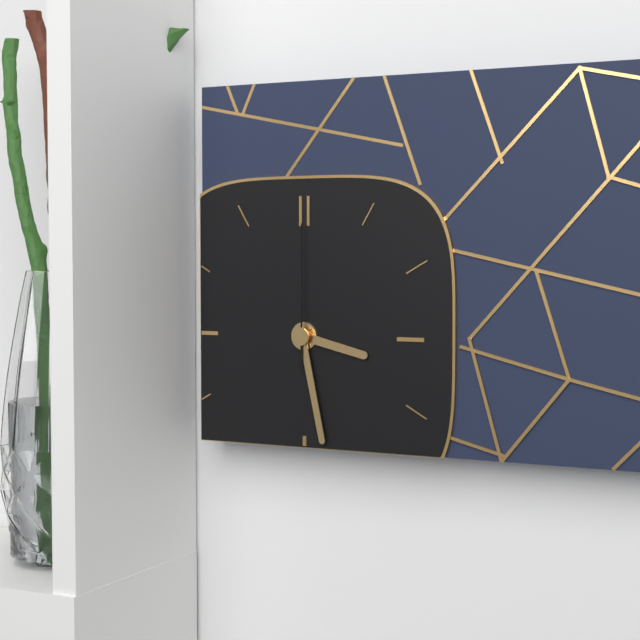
3.28.00
